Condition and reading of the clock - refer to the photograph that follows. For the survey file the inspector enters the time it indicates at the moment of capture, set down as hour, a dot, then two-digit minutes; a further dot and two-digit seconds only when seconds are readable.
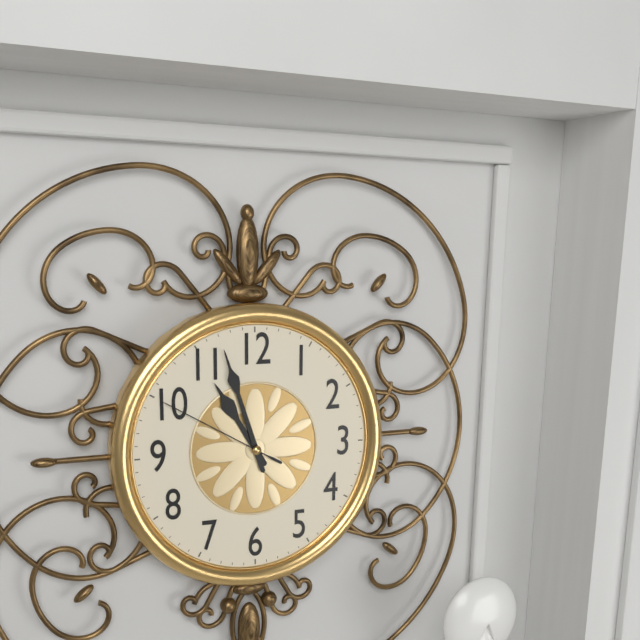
10.57.50
